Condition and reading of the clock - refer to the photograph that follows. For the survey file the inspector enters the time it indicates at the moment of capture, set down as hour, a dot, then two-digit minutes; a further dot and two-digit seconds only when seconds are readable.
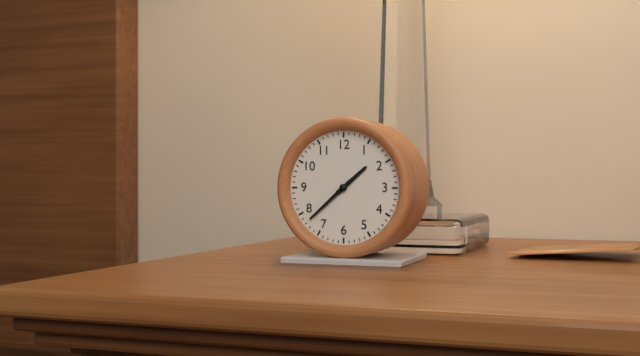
1.38
